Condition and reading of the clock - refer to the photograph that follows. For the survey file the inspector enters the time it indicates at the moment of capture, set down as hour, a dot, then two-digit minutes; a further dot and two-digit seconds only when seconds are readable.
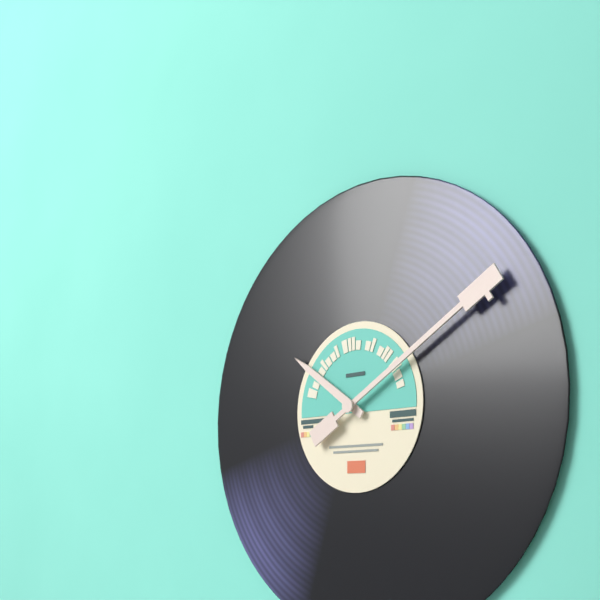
10.10
